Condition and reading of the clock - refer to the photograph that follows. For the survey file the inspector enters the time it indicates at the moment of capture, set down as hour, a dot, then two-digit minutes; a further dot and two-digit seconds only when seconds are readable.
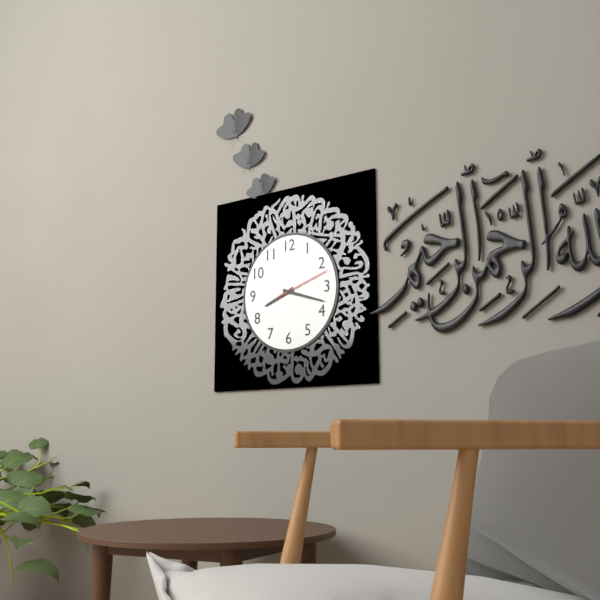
8.18.12
